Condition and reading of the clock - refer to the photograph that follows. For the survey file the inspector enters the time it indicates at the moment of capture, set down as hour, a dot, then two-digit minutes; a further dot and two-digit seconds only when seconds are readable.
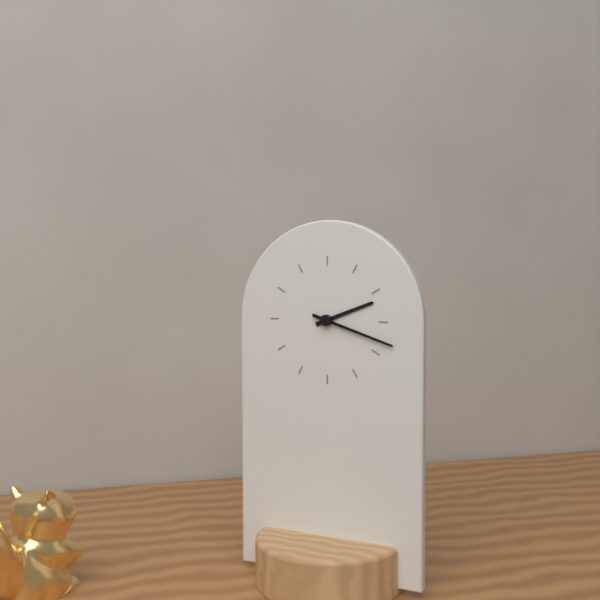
2.18
